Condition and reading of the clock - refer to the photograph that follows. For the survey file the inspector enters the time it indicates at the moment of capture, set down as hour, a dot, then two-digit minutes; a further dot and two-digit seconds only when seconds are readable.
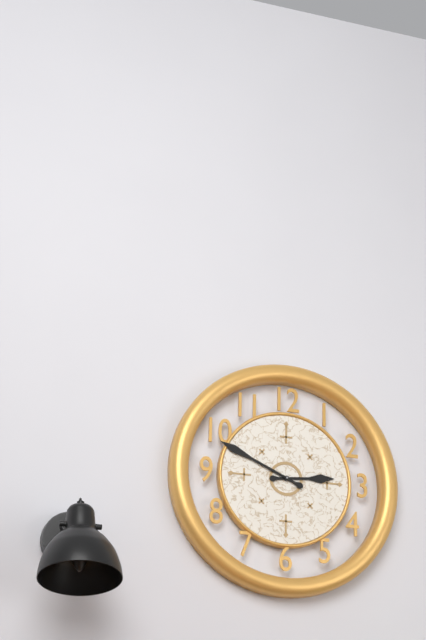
2.49
